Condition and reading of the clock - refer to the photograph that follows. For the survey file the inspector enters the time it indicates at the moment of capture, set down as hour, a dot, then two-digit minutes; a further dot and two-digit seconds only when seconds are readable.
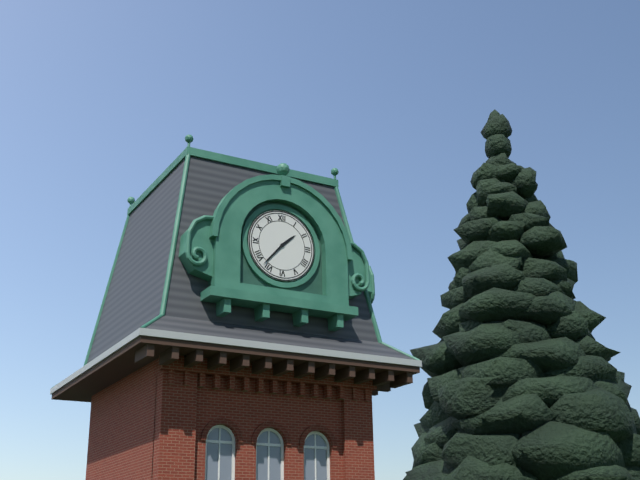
1.37
